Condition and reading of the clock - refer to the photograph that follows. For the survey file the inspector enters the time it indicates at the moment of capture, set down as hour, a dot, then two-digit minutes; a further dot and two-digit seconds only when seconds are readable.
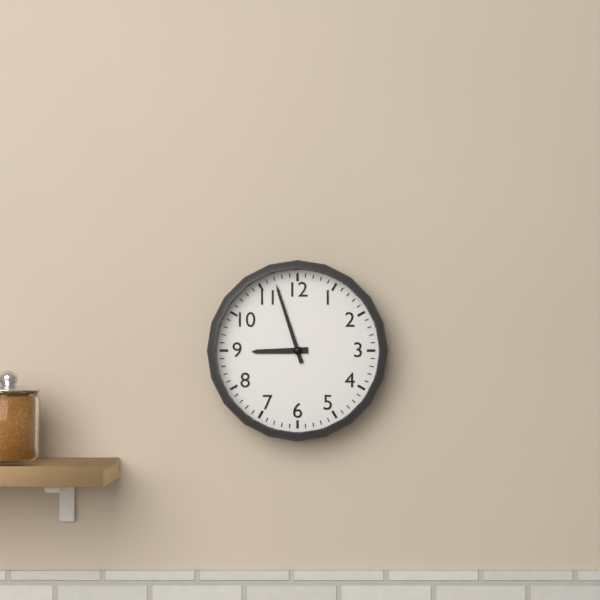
8.57
